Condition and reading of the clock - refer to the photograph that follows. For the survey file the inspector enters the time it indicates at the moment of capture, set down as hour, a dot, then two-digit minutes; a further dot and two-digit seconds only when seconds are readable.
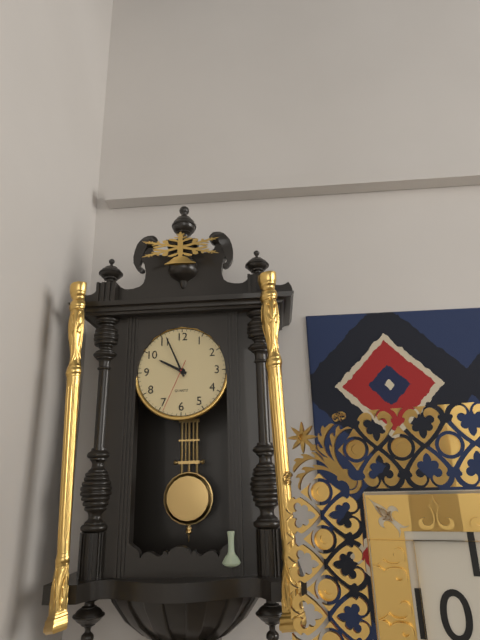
9.56.34
